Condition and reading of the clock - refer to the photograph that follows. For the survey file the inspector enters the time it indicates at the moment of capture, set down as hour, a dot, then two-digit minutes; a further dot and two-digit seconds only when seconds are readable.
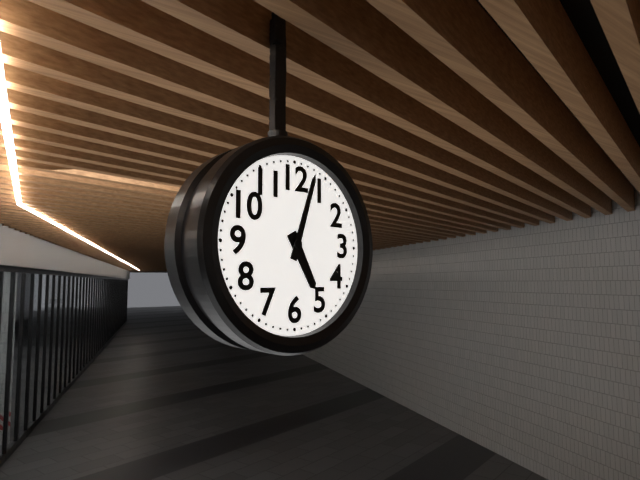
5.03
